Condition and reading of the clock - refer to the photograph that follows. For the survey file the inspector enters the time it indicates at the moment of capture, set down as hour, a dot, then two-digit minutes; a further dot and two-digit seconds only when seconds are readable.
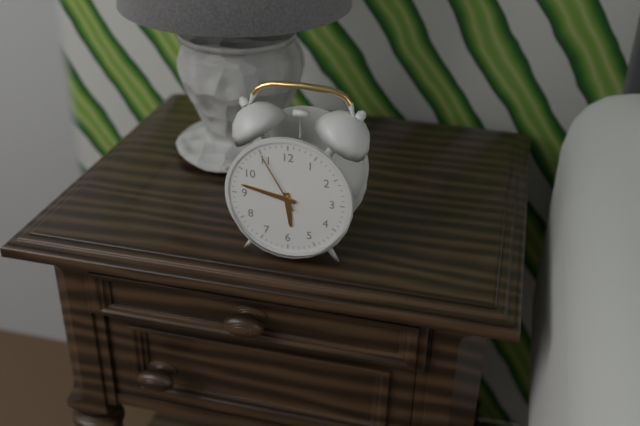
5.47.55
